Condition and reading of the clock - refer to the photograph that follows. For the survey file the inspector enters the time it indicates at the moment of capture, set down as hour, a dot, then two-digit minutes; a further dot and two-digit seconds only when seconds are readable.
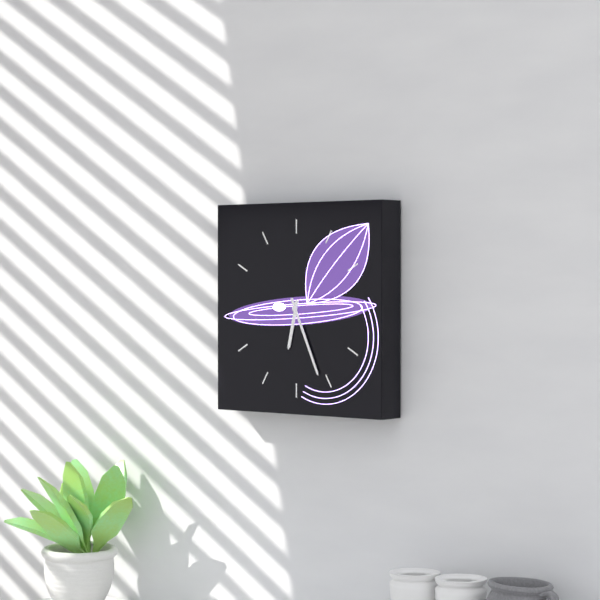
6.26
